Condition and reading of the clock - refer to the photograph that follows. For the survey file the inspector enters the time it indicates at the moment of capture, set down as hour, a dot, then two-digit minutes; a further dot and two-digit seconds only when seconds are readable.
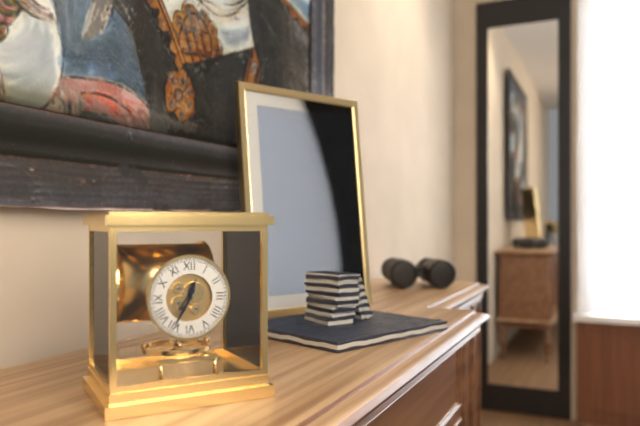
12.35
